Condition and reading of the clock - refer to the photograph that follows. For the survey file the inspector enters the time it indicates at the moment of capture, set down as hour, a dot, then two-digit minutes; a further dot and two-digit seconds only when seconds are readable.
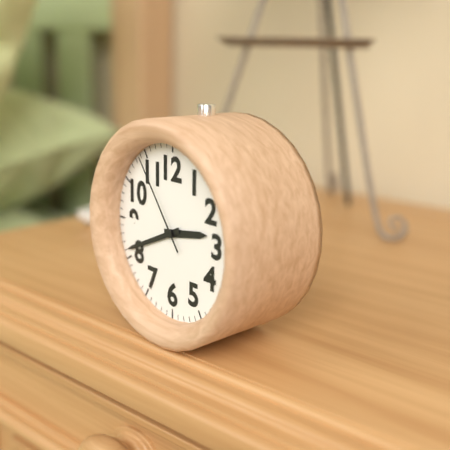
2.41.54
